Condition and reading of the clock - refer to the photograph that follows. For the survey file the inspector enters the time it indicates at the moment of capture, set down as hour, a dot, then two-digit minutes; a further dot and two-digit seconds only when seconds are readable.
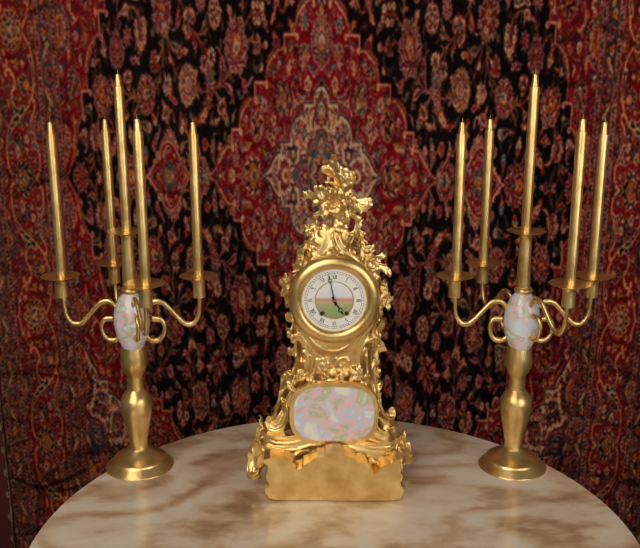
4.58
